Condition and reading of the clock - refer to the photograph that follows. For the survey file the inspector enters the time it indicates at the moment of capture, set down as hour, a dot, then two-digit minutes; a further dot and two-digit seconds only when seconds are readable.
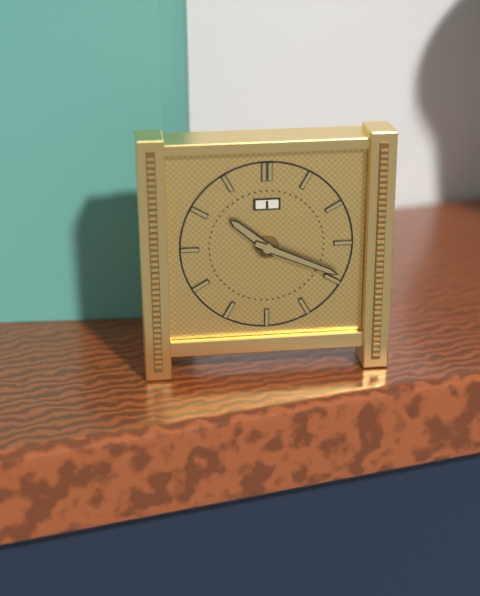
10.19
